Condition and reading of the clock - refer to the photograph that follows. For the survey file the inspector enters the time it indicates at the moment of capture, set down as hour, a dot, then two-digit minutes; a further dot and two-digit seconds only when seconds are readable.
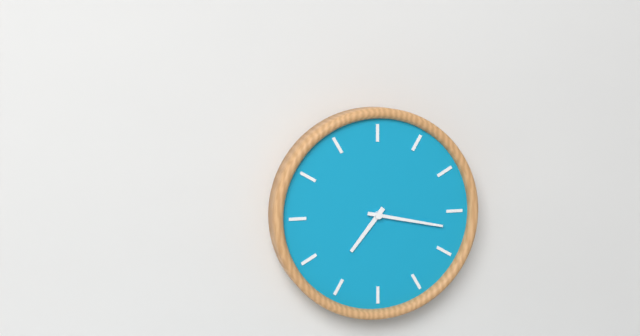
7.17
